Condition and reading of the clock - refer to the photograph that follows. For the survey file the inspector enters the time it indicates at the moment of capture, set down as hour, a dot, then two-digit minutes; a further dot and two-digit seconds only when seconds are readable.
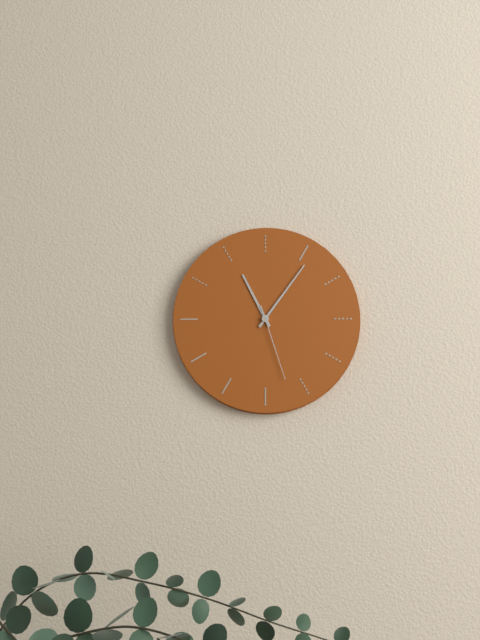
11.06.27
